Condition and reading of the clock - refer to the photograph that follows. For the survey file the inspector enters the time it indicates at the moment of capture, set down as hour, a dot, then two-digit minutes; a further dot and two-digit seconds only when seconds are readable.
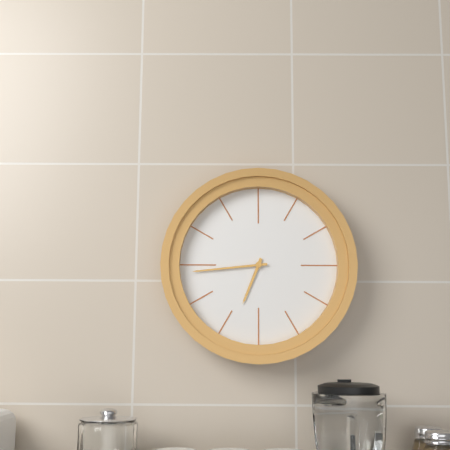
6.44
